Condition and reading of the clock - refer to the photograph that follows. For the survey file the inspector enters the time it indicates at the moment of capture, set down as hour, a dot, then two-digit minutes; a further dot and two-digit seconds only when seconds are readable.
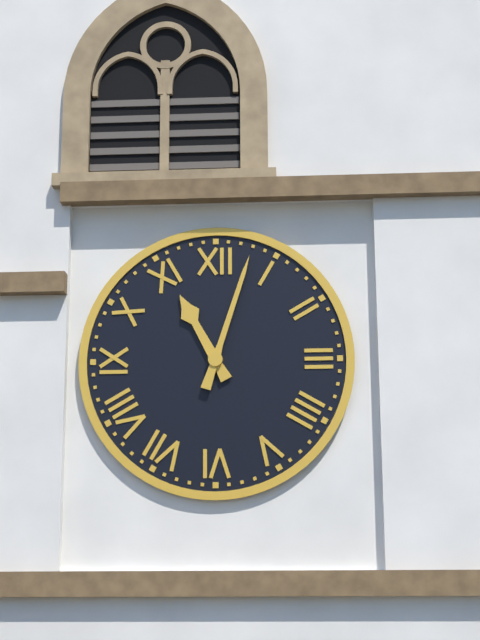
11.03
